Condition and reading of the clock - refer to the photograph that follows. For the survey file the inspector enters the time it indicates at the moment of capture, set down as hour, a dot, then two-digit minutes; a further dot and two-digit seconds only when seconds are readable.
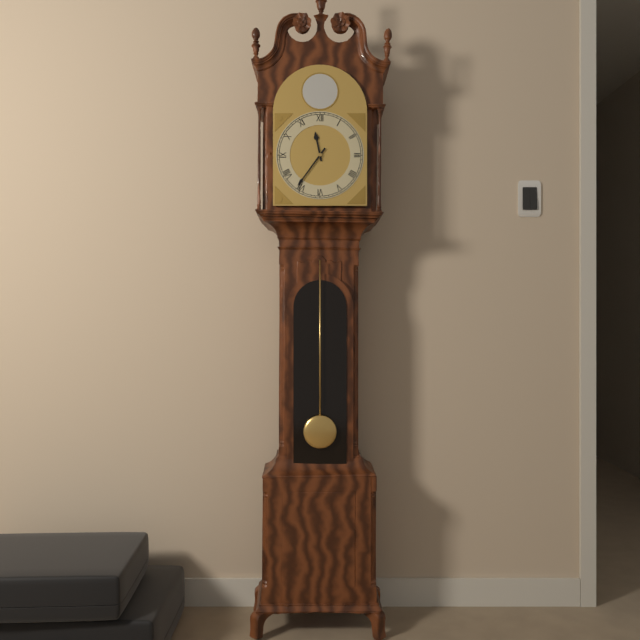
11.36
